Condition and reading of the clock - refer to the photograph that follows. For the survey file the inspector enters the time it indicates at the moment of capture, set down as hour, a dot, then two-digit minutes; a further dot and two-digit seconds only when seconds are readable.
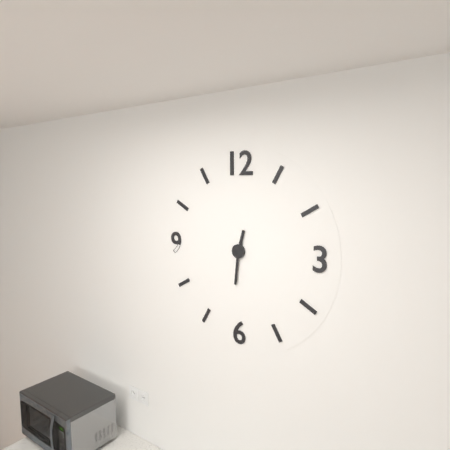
12.31
